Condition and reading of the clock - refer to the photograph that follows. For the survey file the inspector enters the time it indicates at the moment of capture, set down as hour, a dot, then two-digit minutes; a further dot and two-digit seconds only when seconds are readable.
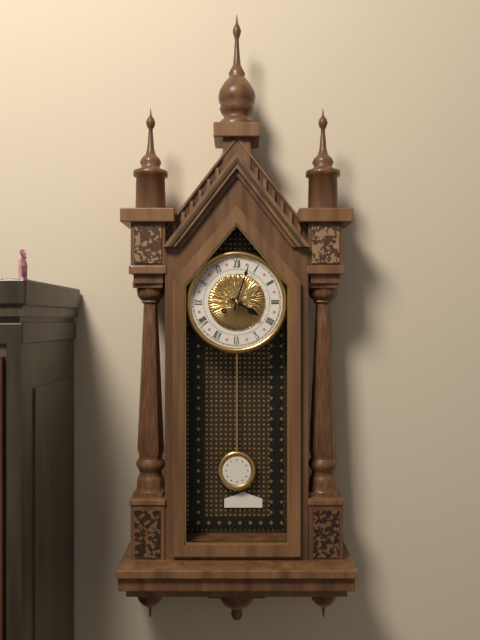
4.03
